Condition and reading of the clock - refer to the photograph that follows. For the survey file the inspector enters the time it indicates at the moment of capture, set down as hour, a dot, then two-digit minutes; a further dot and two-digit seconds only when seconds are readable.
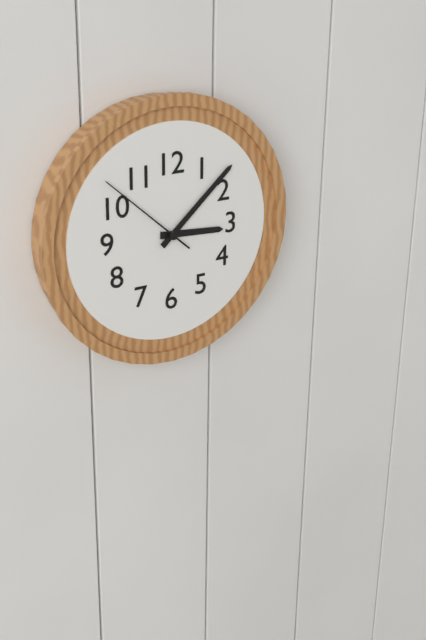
3.08.52
